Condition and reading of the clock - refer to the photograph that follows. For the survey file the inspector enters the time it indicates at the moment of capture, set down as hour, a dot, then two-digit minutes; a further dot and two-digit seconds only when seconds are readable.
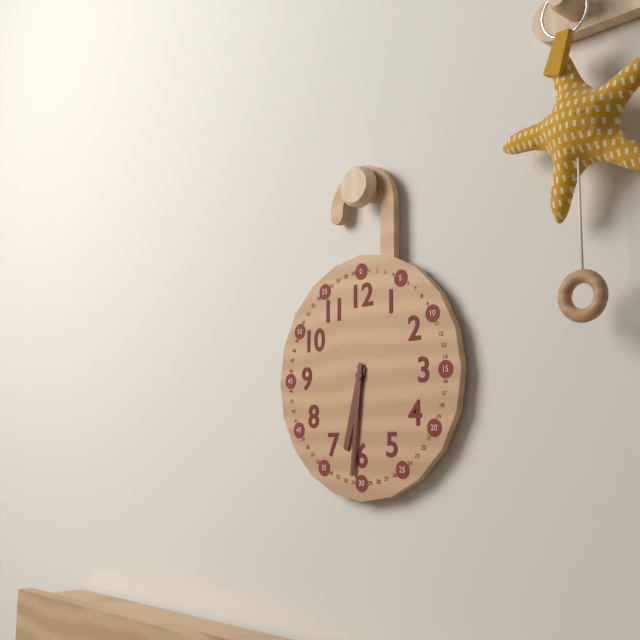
6.31
